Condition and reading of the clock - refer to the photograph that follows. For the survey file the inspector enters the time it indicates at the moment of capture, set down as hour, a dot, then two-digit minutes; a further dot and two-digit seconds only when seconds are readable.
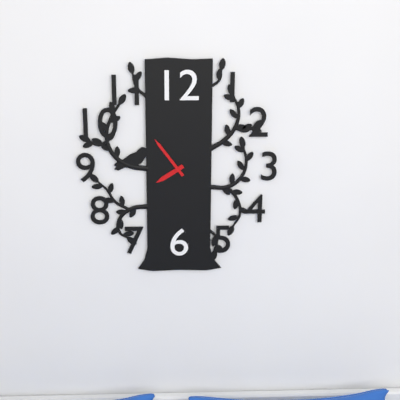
7.54
